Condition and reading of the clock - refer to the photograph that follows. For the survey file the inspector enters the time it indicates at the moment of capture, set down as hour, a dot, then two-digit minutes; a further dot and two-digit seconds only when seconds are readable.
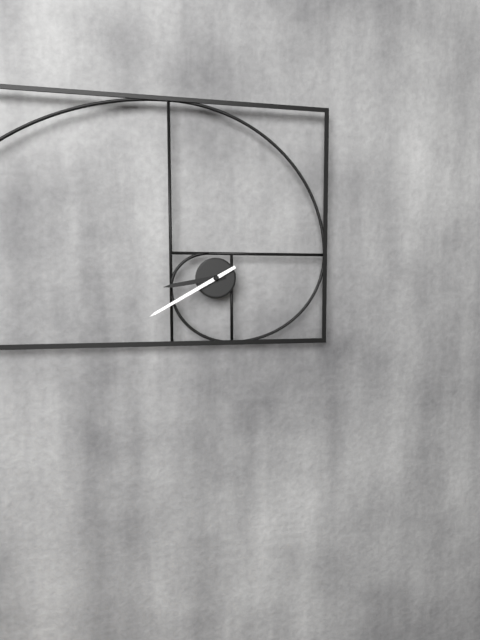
8.40
